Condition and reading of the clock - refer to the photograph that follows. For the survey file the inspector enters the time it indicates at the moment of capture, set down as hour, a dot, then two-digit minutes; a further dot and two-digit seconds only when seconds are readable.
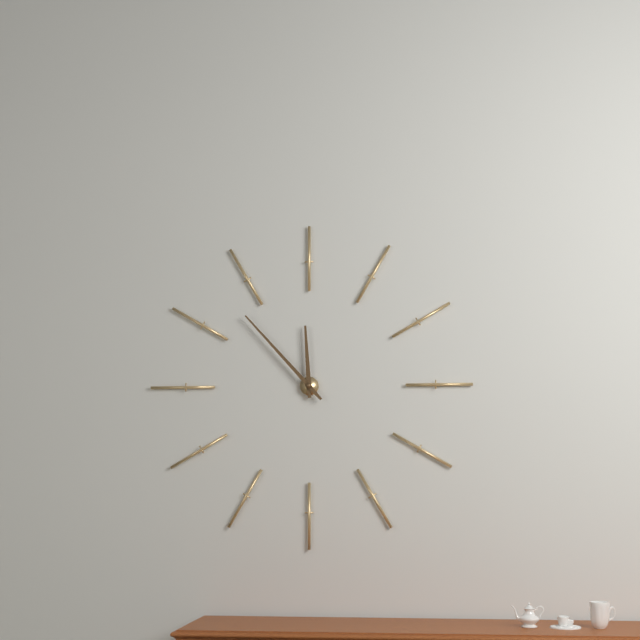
11.53
